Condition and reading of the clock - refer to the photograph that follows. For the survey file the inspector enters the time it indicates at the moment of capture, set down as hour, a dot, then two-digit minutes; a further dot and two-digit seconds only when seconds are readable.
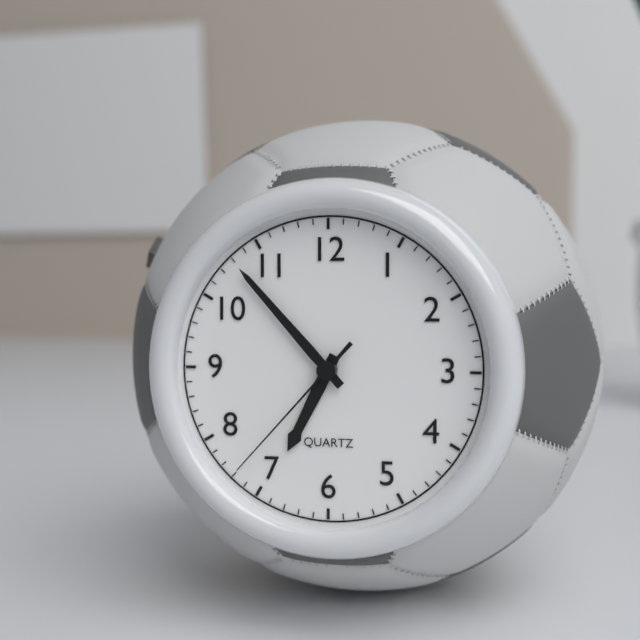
6.53.37
